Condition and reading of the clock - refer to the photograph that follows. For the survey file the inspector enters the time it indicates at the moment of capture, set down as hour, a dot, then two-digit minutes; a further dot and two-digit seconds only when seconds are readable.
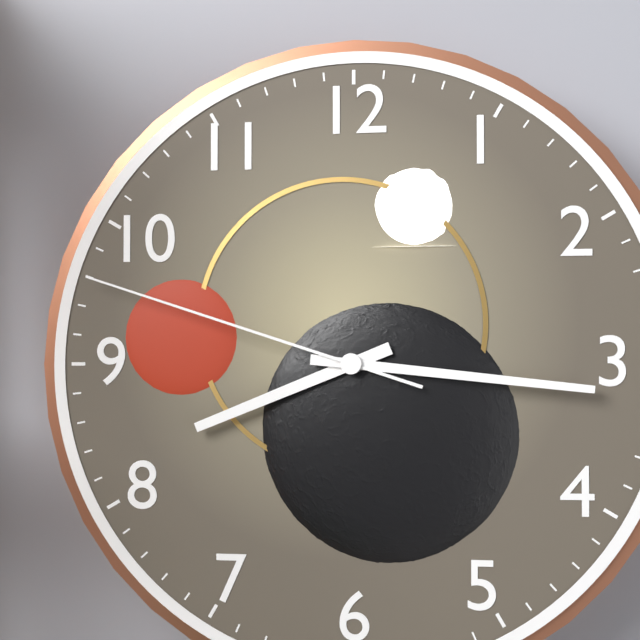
8.16.48
